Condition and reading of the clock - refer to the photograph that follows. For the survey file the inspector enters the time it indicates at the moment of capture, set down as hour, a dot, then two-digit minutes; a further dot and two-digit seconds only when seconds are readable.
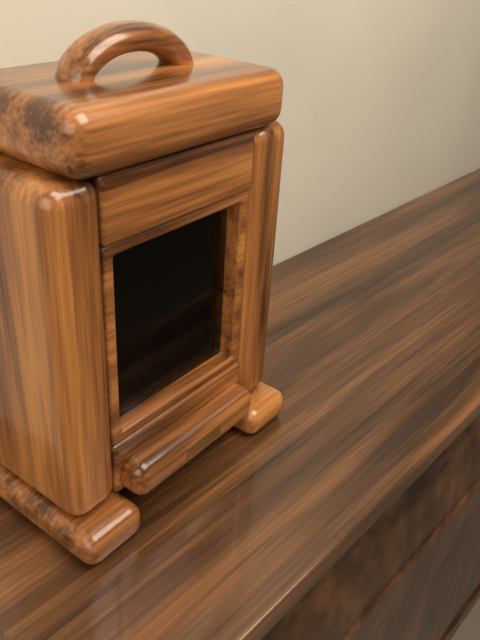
11.50.12
